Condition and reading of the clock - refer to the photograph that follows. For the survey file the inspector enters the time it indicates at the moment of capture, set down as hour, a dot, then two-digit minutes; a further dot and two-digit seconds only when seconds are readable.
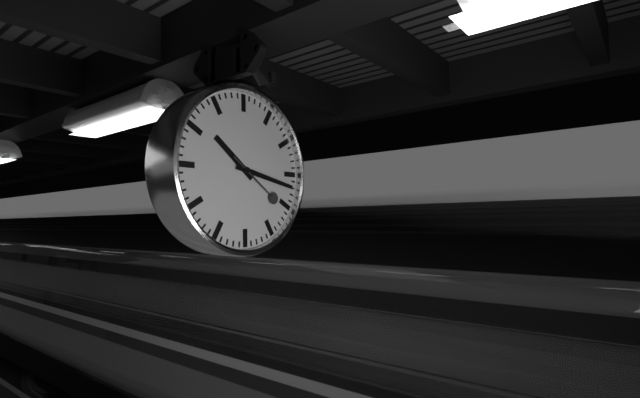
10.17.21
